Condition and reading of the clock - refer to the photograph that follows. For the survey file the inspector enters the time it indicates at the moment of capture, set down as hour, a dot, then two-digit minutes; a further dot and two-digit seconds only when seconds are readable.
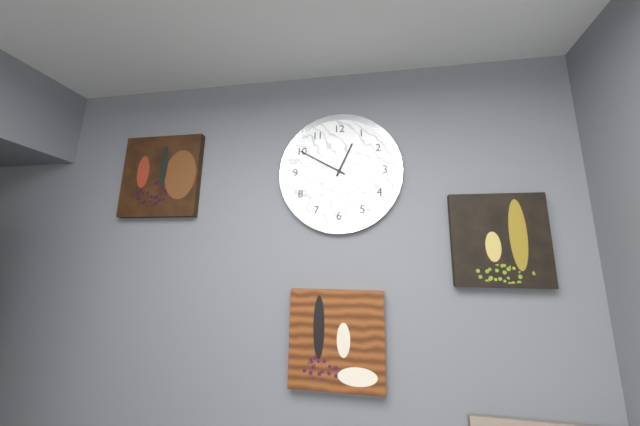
12.50
